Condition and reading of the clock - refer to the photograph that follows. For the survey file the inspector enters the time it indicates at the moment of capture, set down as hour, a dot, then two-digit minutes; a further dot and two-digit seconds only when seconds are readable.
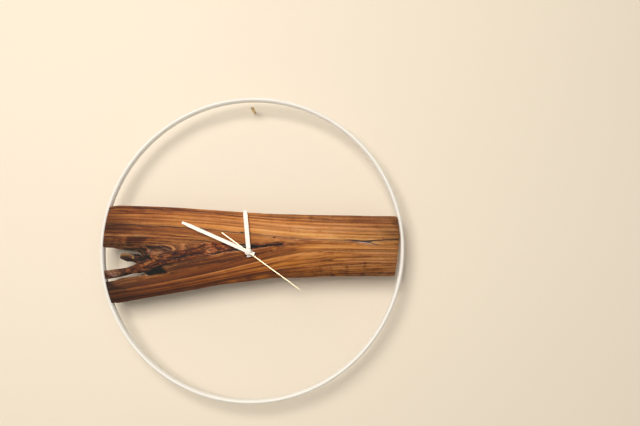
11.49.21
